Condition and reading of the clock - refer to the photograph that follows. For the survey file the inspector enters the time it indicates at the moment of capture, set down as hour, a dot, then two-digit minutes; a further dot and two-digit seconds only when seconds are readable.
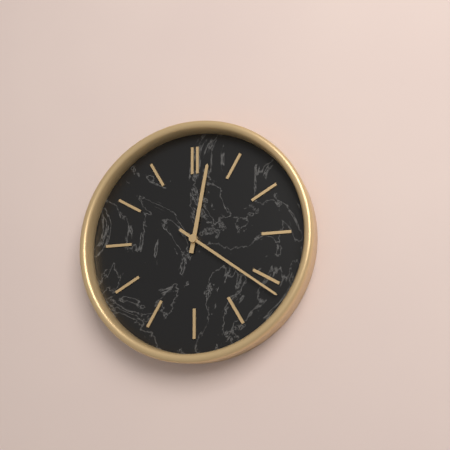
12.21
